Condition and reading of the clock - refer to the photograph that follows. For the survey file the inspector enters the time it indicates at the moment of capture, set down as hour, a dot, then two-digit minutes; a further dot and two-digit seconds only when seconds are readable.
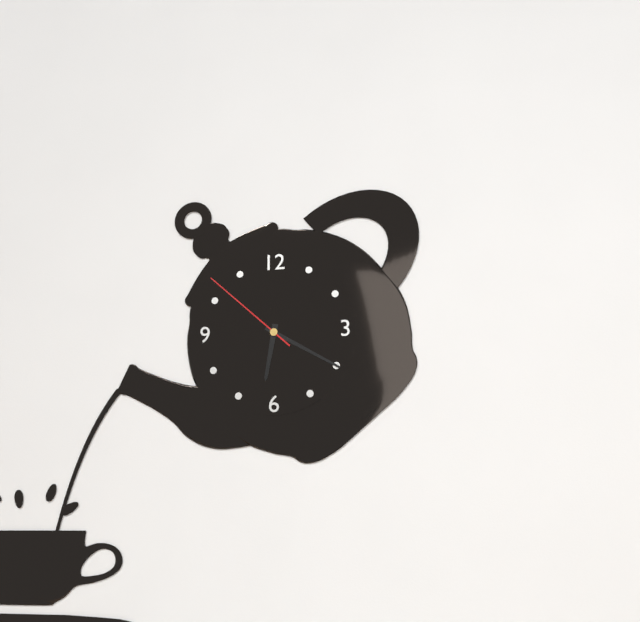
6.20.52
